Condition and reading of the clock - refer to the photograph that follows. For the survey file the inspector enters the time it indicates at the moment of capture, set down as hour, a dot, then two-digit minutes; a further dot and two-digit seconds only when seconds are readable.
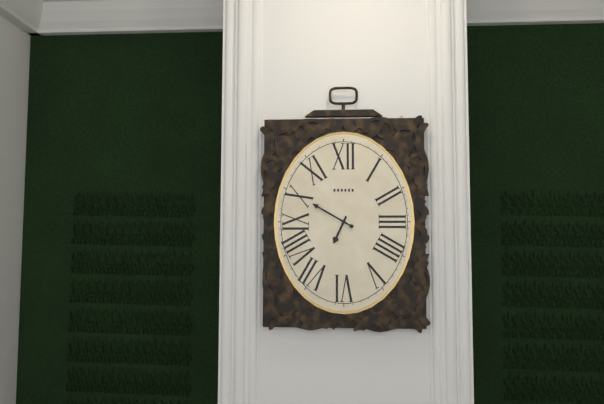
6.50
